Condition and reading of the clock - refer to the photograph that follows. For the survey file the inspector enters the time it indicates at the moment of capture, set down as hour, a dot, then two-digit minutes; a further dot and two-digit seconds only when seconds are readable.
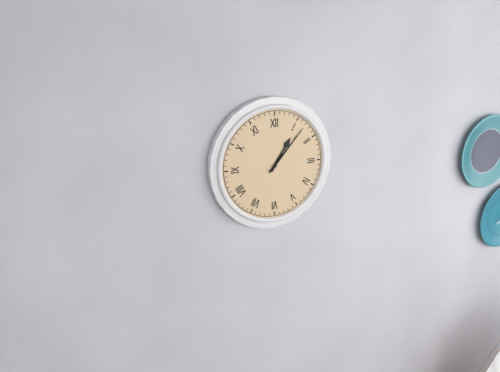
1.07
